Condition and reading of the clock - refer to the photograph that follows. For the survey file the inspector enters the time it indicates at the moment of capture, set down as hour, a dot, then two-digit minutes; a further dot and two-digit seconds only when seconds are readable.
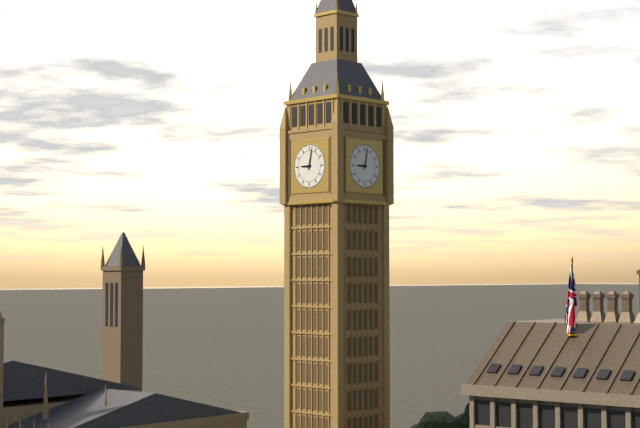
9.02
